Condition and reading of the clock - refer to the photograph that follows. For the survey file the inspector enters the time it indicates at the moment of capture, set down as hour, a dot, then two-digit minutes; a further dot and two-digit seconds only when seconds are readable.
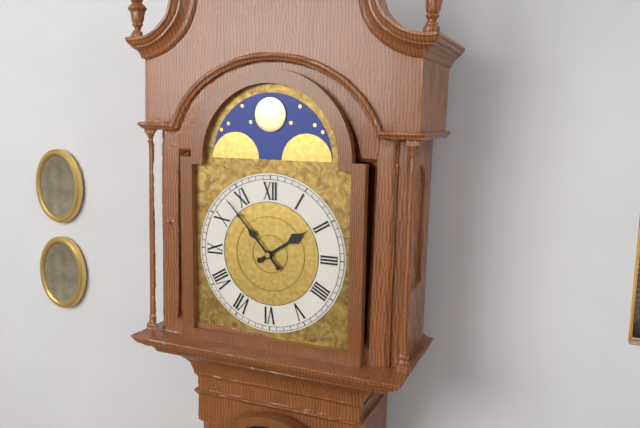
1.53
